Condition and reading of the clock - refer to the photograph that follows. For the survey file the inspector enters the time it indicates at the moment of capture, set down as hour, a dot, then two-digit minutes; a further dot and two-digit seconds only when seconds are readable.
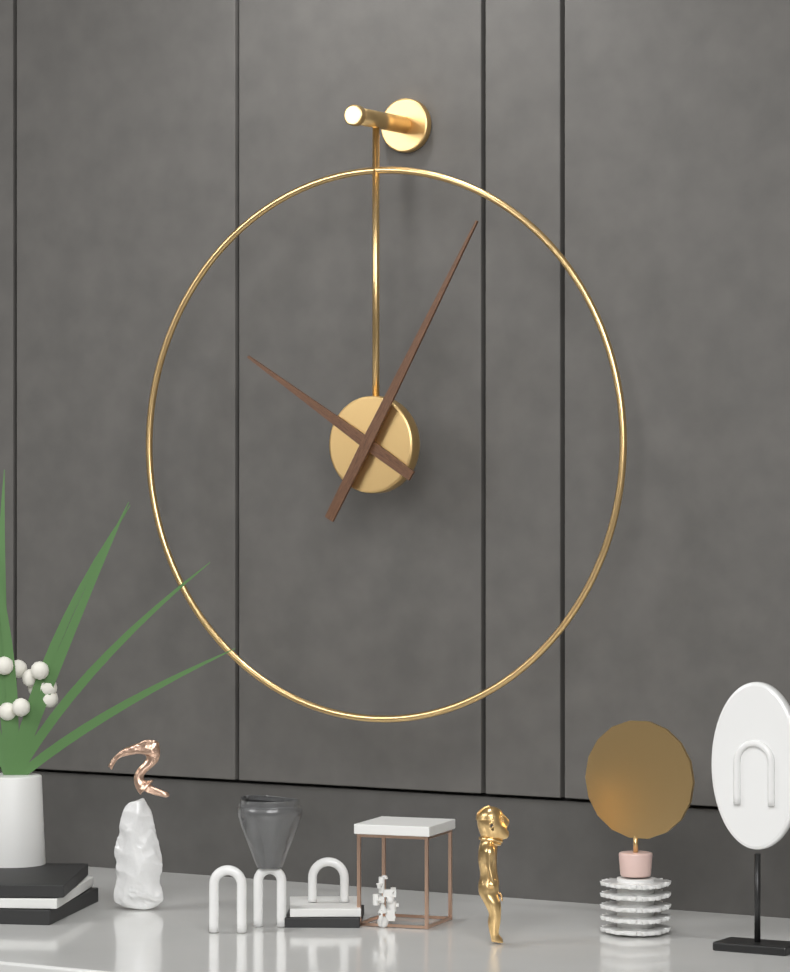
10.05
